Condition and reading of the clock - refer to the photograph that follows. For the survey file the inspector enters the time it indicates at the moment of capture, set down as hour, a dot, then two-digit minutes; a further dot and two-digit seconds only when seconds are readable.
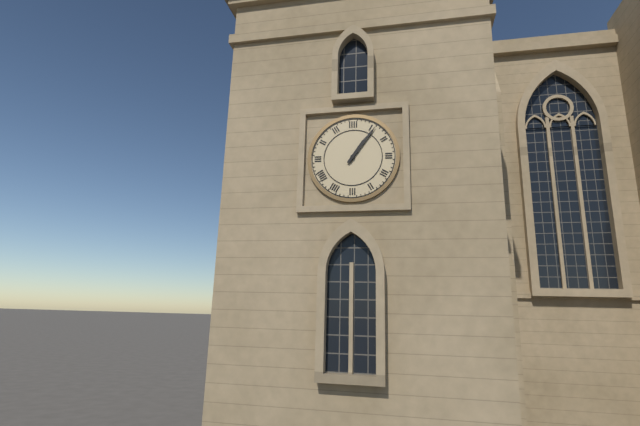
1.06
